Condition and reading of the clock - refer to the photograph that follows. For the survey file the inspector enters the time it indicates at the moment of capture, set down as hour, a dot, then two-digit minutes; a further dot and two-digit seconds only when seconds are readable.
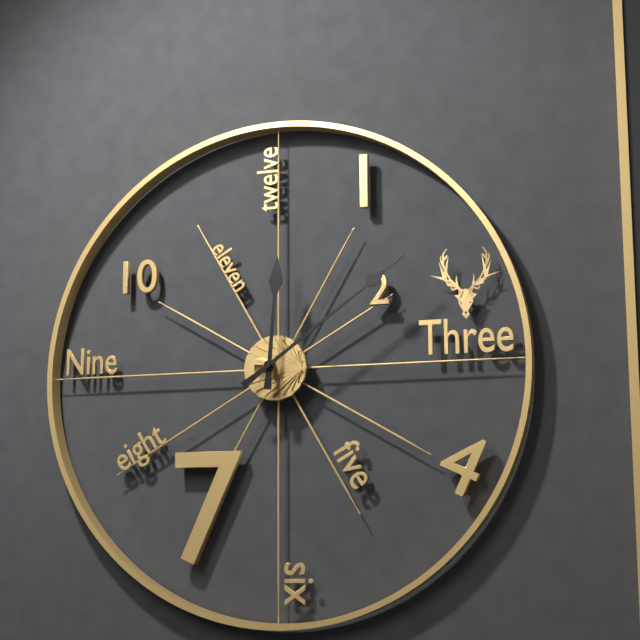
12.09
